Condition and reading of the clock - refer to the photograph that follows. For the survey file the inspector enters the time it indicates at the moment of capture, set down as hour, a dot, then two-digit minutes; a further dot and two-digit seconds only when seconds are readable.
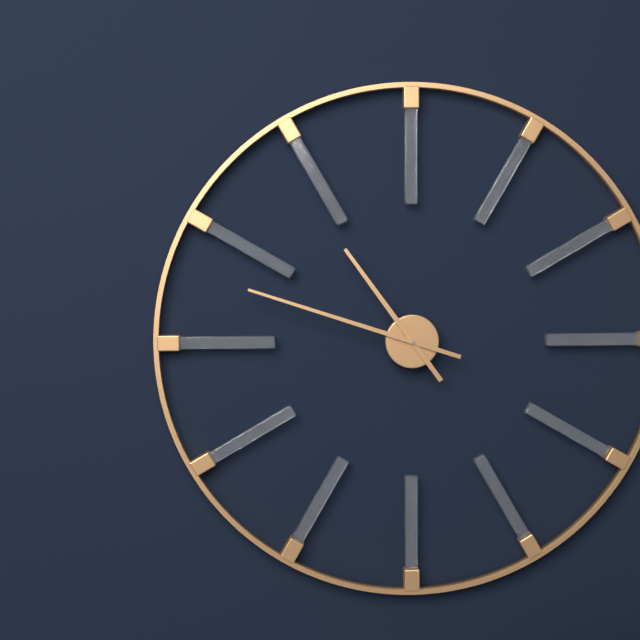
10.48
